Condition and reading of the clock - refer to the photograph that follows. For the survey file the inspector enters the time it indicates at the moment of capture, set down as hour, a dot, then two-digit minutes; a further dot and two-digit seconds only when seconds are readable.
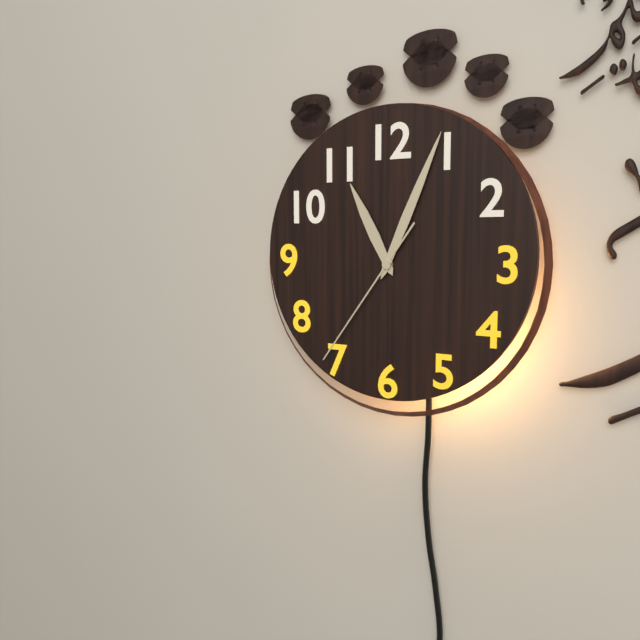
11.04.36
